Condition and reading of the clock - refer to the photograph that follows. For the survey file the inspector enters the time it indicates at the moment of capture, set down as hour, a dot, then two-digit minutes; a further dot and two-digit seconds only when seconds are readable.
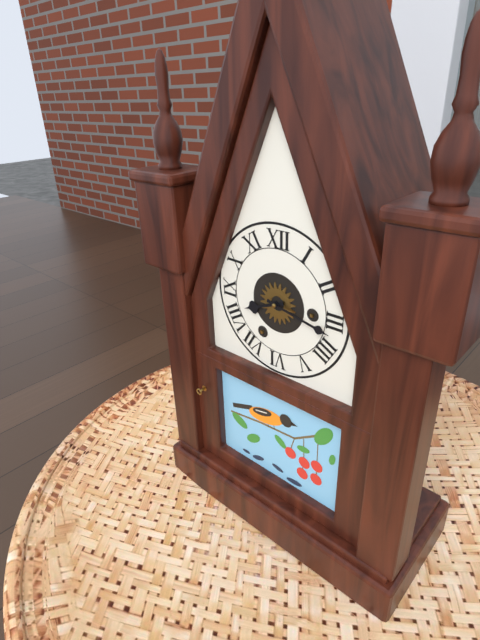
8.17
